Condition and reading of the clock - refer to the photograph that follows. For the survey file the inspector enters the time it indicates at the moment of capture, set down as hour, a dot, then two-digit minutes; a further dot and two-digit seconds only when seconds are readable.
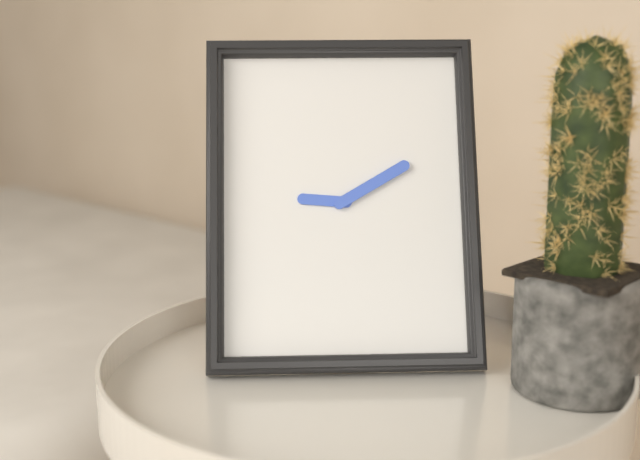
9.10
